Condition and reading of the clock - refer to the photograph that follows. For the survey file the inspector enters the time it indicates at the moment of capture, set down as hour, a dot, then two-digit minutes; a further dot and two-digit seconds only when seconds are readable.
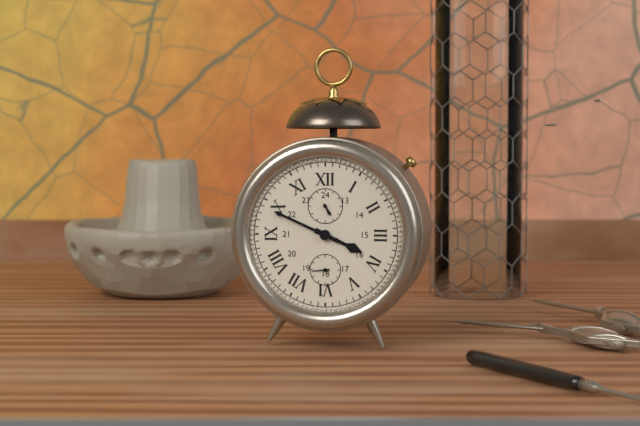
3.49
